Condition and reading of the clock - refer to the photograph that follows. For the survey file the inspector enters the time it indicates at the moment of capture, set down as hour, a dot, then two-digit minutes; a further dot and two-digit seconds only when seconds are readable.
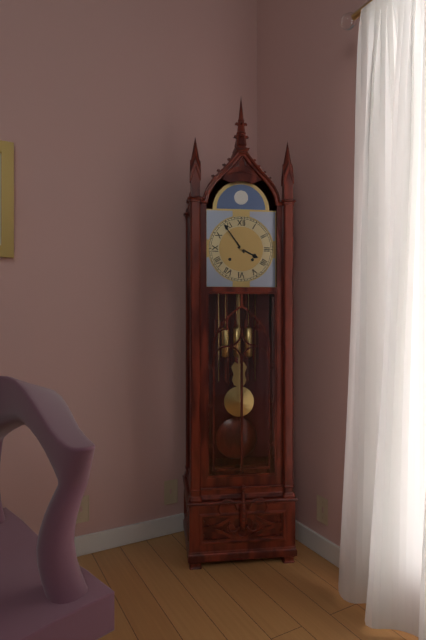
3.54
